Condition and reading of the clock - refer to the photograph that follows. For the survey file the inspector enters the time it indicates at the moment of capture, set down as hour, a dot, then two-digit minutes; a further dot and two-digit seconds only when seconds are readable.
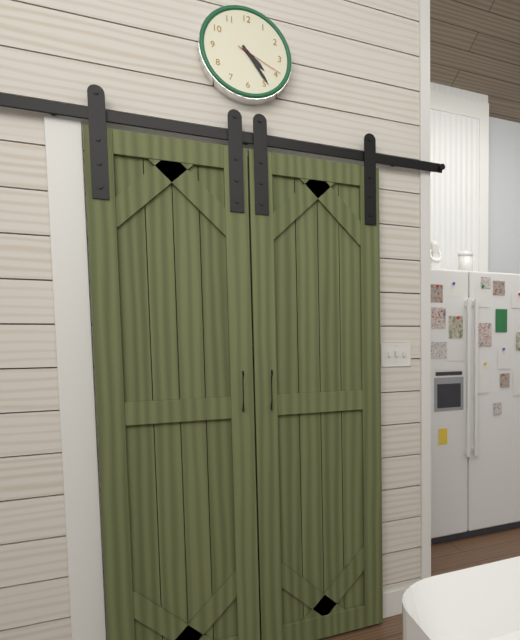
4.24
